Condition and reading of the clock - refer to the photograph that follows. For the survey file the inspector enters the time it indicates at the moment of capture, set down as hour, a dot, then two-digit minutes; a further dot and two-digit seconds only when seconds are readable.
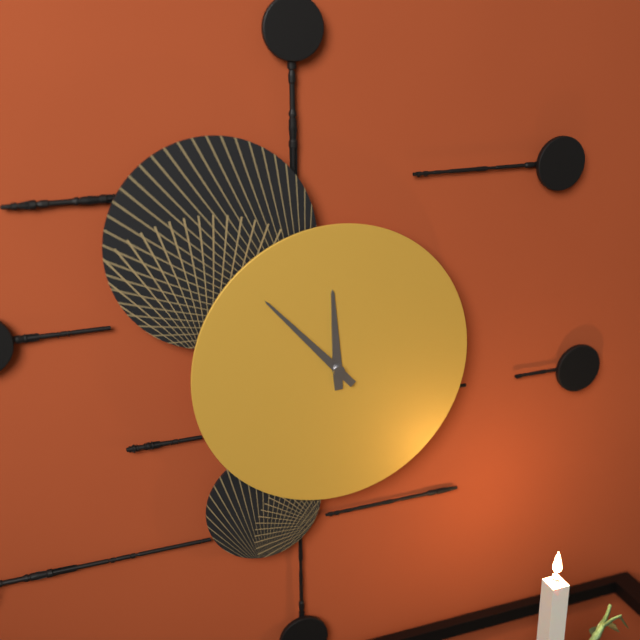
11.53
